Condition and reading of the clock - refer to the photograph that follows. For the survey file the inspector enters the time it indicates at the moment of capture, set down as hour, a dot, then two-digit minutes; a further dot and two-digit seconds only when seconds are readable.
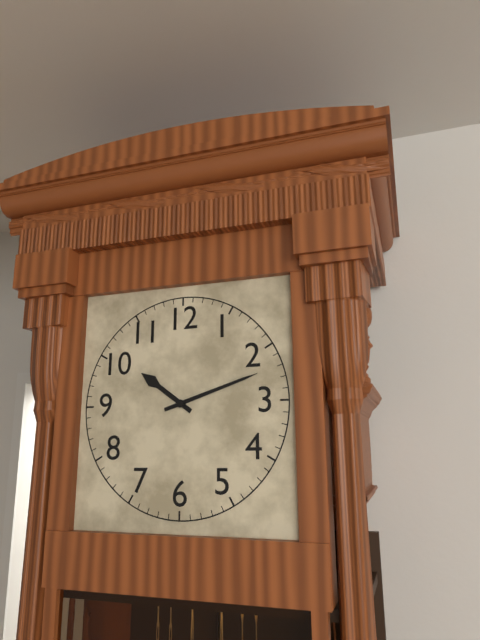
10.12
